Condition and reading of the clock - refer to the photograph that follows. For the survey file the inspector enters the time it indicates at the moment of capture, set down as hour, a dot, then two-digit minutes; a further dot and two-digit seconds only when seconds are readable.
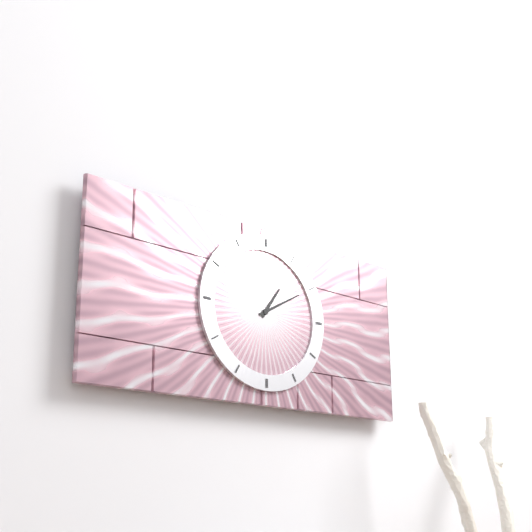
1.10
